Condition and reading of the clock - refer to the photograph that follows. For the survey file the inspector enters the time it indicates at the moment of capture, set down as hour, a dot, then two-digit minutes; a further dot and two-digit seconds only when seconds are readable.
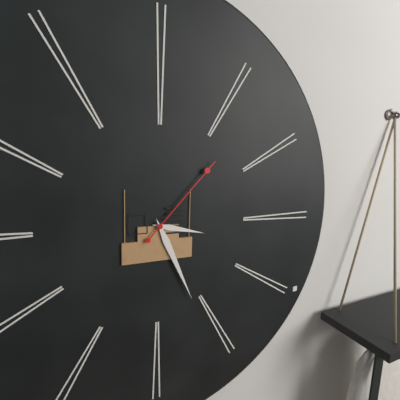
3.26.07
